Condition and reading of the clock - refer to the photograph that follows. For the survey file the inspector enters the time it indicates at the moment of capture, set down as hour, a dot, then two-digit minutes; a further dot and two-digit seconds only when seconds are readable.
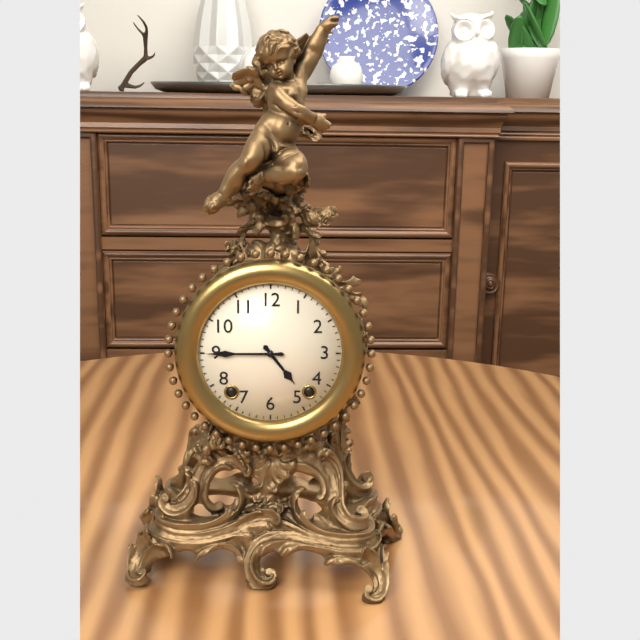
4.45
